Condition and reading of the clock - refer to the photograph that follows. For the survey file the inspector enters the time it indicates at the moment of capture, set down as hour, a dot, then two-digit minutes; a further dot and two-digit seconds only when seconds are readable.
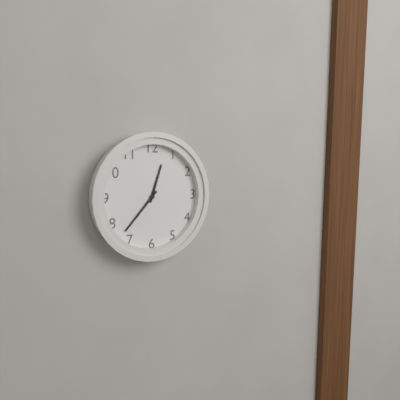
12.37
